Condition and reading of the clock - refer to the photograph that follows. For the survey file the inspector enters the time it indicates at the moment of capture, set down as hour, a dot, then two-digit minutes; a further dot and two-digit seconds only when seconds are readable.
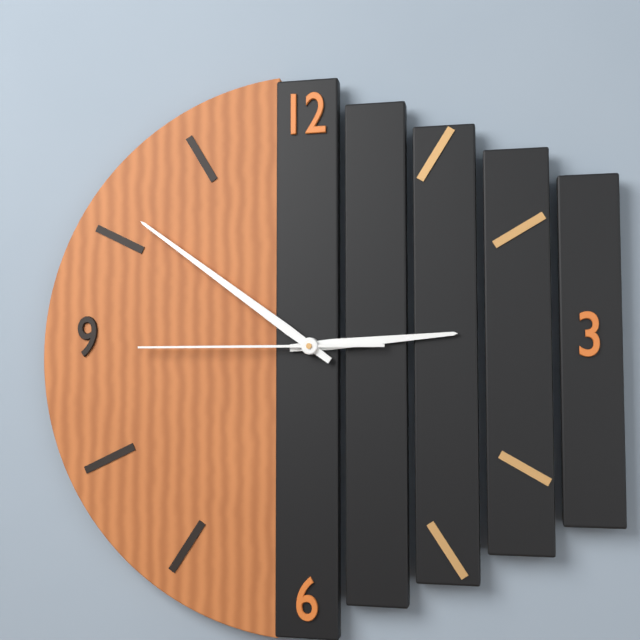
2.51.45
